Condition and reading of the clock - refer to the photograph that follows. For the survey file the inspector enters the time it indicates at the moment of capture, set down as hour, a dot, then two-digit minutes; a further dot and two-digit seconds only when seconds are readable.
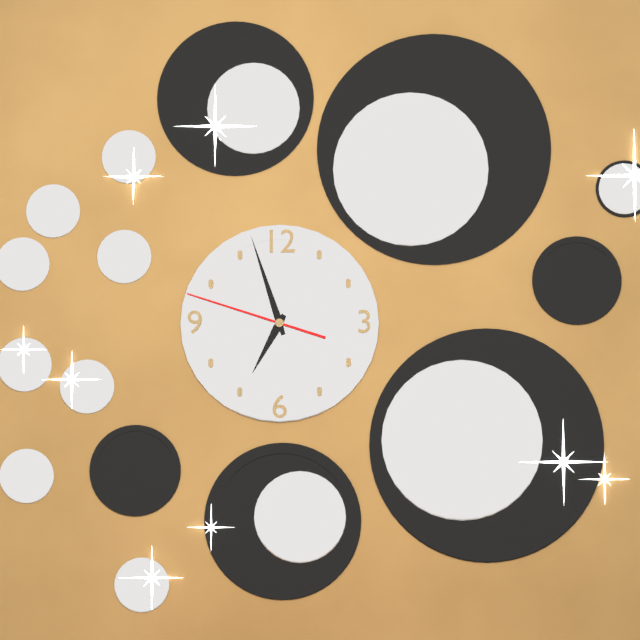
6.57.48
